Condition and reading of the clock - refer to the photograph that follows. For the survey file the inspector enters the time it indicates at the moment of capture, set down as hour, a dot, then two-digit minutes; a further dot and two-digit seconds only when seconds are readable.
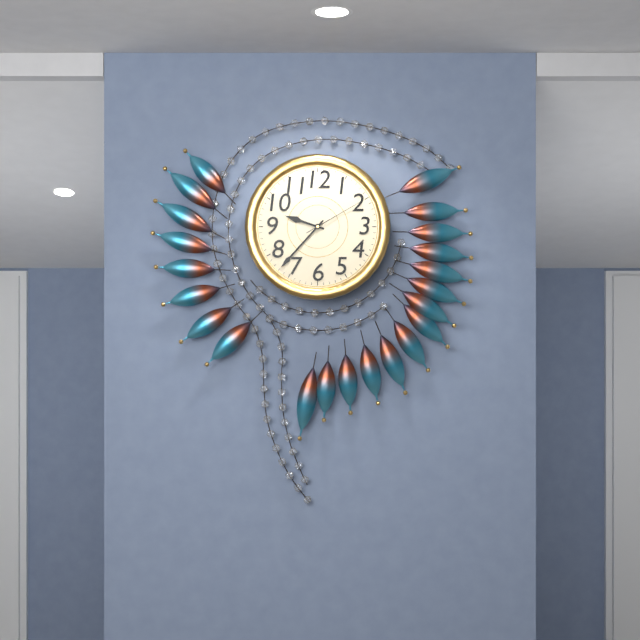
9.37.10
